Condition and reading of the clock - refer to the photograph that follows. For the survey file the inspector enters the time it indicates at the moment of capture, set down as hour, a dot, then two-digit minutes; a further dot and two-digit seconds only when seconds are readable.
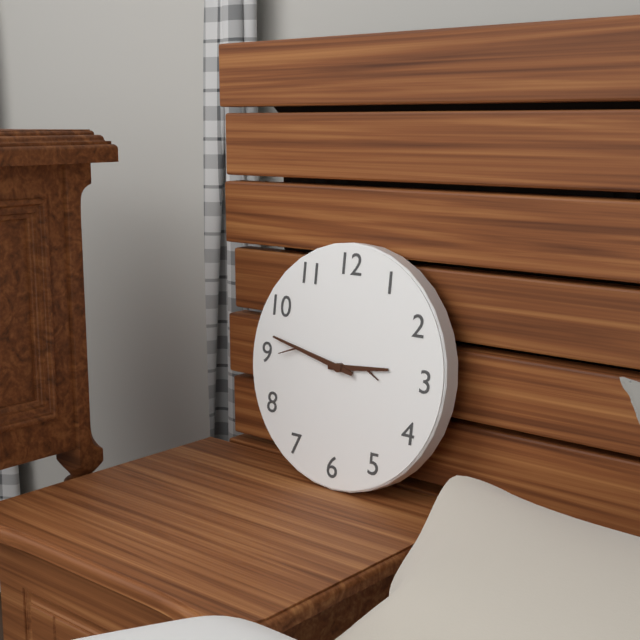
2.47
